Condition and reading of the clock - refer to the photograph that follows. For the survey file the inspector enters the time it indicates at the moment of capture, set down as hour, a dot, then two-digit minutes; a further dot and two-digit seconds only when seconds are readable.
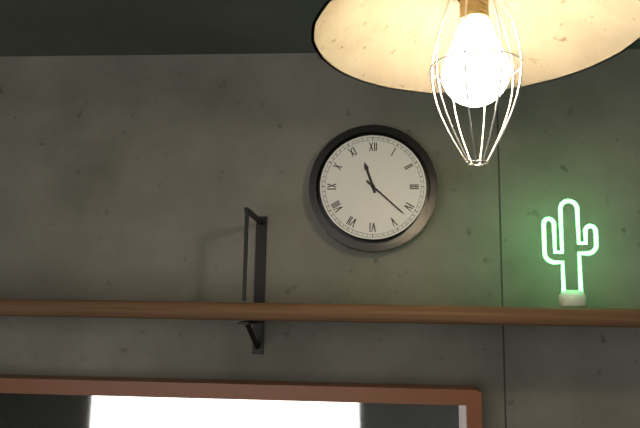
11.22
